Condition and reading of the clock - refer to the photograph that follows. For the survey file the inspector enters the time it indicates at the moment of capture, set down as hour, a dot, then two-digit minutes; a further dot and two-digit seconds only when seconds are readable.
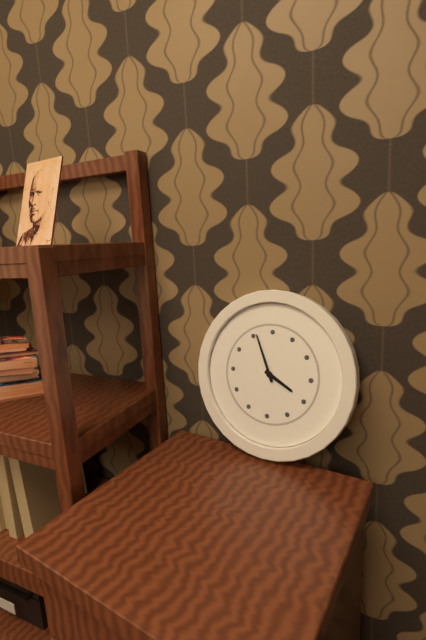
3.56
